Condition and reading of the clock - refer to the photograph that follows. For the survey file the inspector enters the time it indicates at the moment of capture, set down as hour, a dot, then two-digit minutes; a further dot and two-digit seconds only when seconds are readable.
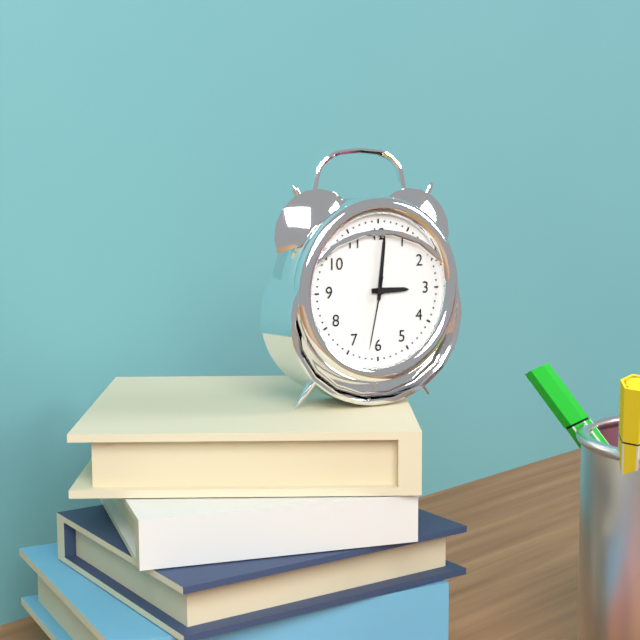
3.01.32
